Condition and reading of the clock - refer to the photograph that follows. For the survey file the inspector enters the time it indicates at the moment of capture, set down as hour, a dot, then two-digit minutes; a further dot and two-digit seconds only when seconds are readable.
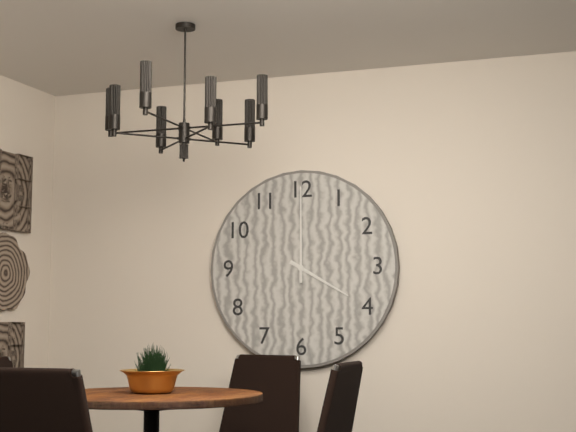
4.00
